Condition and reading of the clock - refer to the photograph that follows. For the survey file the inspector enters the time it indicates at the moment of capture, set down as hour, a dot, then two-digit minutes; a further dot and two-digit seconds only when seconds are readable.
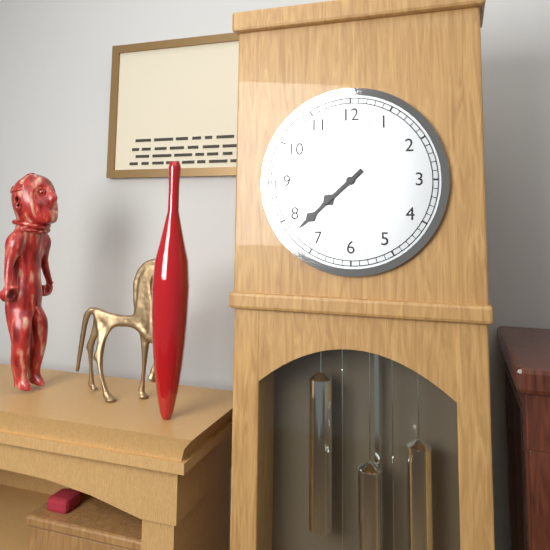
7.38
